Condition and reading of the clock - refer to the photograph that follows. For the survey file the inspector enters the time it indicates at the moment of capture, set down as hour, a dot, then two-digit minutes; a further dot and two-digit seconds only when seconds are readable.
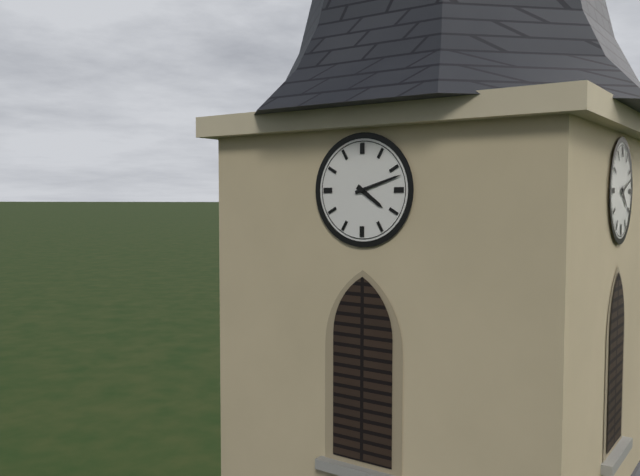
4.12
